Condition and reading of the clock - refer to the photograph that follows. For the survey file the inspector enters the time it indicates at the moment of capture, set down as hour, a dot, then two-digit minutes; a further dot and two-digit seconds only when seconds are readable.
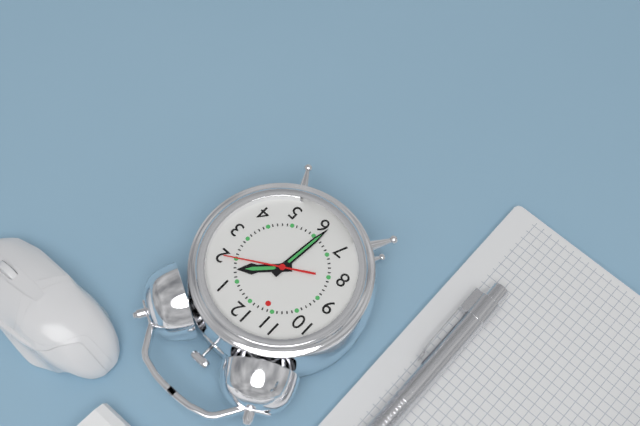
1.31.10
